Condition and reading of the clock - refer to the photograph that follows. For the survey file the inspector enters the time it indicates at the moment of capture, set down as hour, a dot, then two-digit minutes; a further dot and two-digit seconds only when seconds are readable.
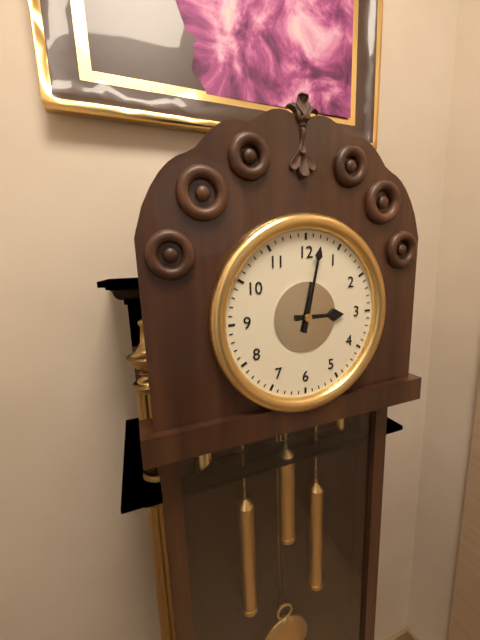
3.02
